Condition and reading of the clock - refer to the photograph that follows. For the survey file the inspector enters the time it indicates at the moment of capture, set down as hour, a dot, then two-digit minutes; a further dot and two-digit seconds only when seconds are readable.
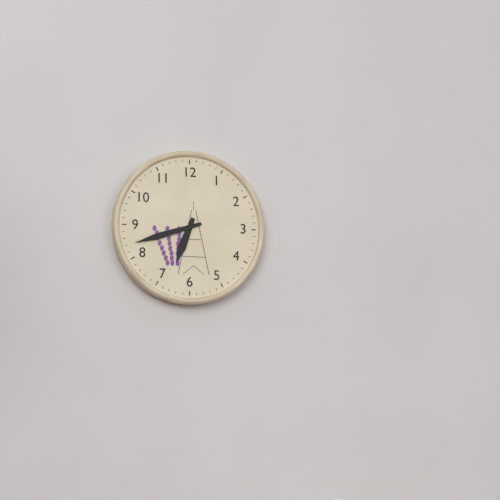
6.42
